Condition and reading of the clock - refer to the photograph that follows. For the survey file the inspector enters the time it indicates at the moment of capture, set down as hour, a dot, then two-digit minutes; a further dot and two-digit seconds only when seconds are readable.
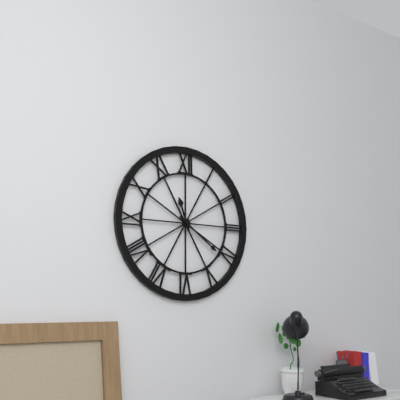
11.21
